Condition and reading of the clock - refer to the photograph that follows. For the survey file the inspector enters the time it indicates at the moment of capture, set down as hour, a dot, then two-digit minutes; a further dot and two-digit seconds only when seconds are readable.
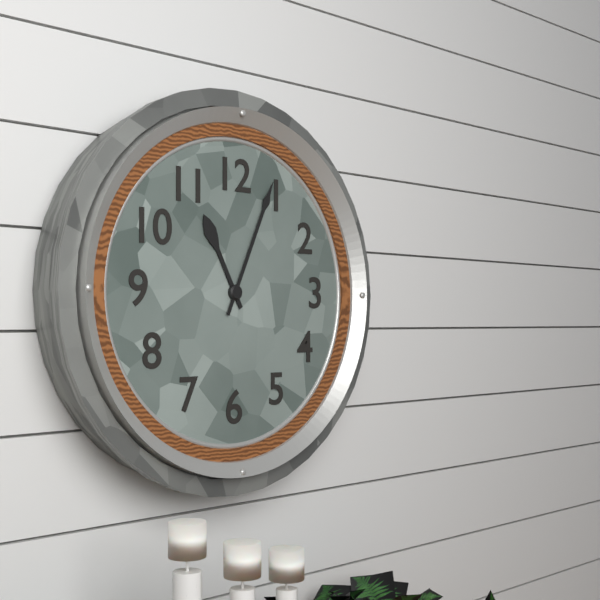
11.04
